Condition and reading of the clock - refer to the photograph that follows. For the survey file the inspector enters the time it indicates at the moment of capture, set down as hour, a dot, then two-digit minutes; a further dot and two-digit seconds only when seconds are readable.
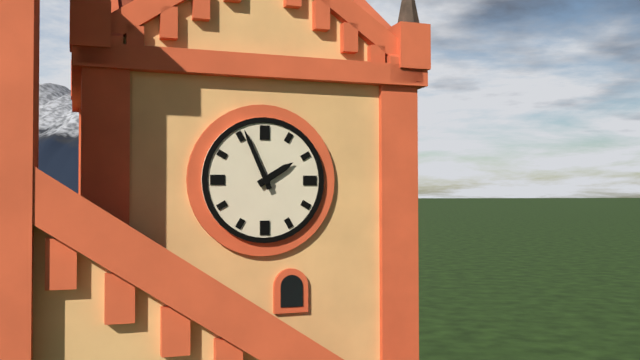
1.56
